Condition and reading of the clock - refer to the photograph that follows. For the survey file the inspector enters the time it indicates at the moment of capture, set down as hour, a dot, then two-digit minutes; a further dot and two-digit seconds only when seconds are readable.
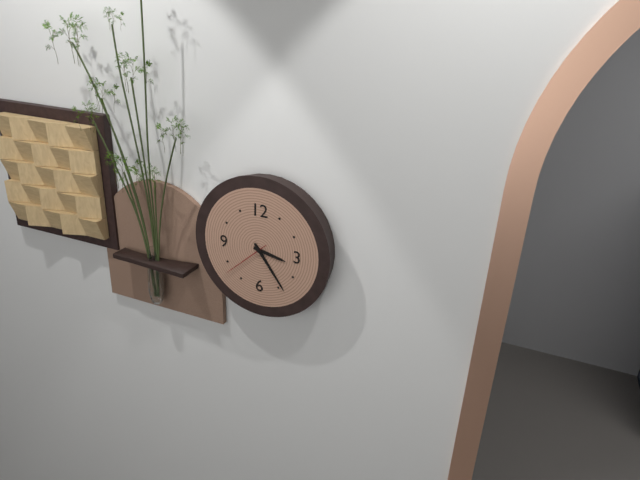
3.24.38
